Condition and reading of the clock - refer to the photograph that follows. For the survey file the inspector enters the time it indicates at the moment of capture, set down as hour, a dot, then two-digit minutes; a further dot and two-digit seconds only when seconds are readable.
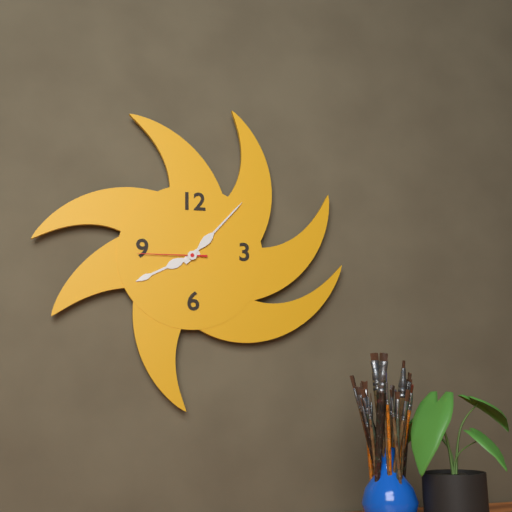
8.07.45
